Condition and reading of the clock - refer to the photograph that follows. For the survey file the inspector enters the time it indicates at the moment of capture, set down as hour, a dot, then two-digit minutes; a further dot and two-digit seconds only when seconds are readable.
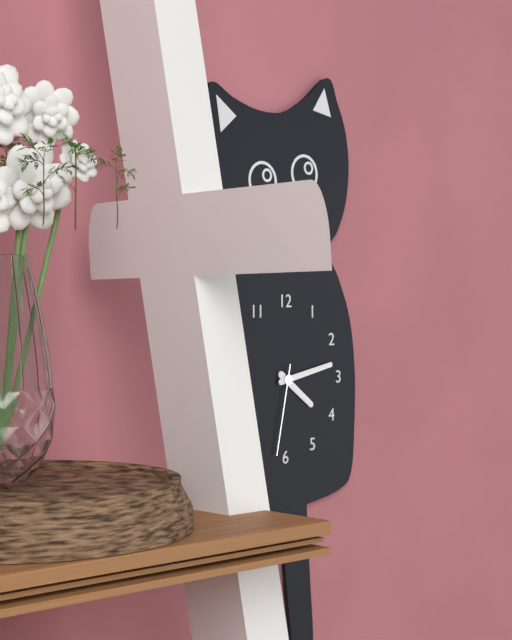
4.13.32
